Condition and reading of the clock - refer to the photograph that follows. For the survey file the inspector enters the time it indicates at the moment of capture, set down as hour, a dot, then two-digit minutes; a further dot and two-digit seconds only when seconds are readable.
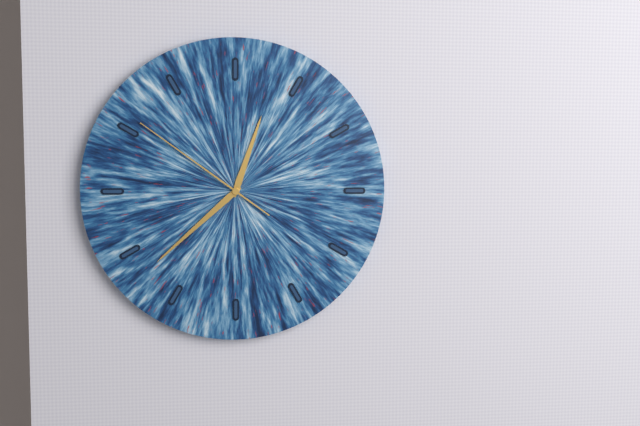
12.38.51
